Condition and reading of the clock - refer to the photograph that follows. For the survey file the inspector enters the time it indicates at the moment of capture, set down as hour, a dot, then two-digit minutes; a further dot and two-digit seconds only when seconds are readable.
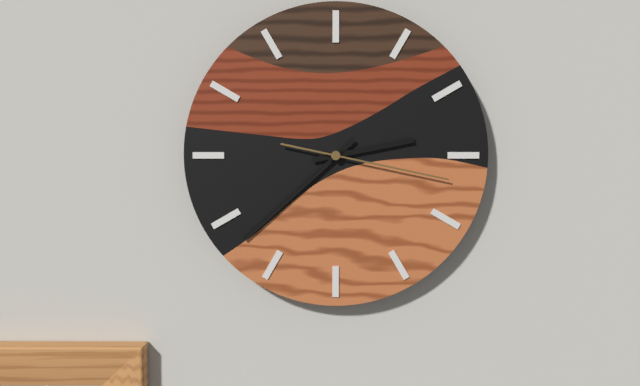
2.38.17
